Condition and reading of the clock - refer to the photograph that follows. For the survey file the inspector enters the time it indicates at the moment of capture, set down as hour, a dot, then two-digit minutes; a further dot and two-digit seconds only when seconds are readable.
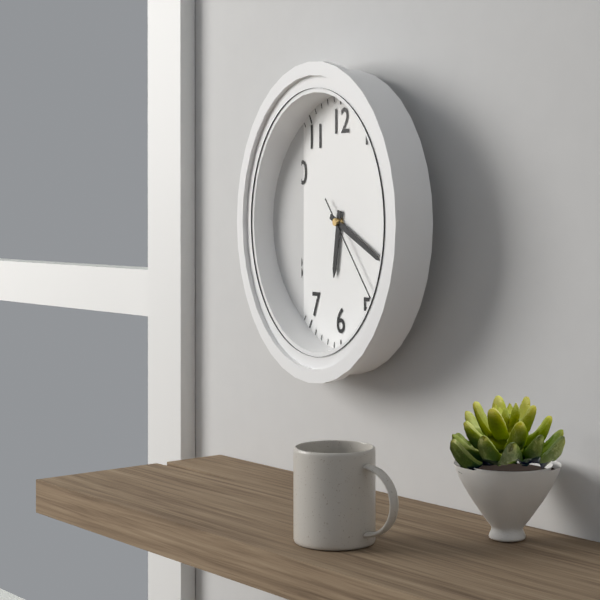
6.19.23
